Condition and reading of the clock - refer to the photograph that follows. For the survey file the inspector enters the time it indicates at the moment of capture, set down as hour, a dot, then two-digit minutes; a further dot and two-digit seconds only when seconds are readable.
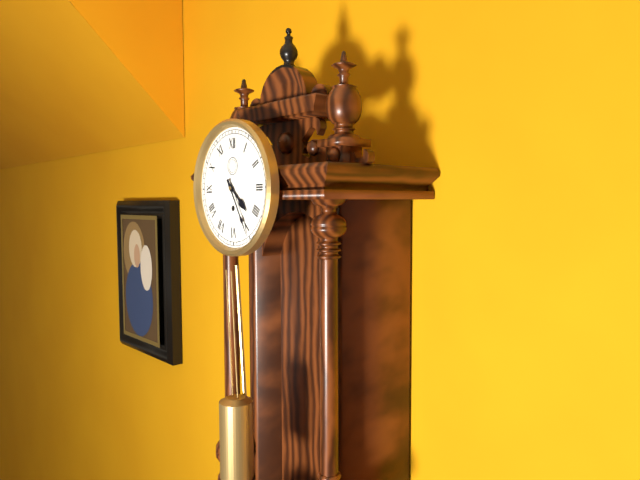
4.25
